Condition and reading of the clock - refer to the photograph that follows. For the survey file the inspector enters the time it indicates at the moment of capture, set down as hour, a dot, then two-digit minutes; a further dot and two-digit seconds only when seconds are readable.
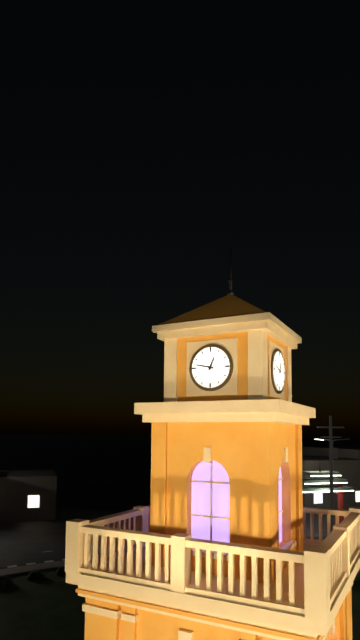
12.47
